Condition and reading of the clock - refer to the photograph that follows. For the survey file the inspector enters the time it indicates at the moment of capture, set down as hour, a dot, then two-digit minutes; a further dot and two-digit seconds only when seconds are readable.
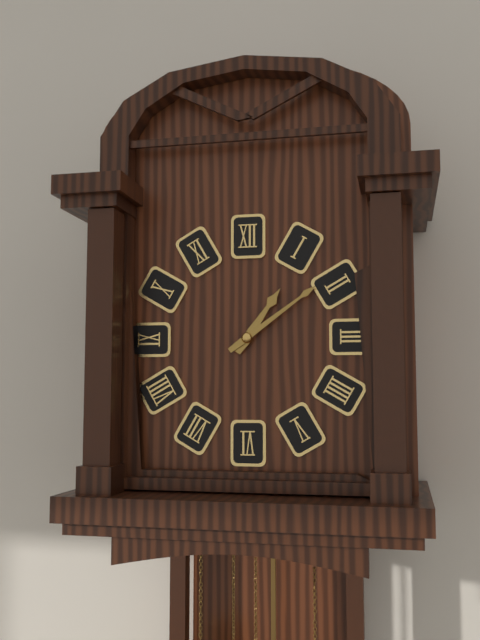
1.09
